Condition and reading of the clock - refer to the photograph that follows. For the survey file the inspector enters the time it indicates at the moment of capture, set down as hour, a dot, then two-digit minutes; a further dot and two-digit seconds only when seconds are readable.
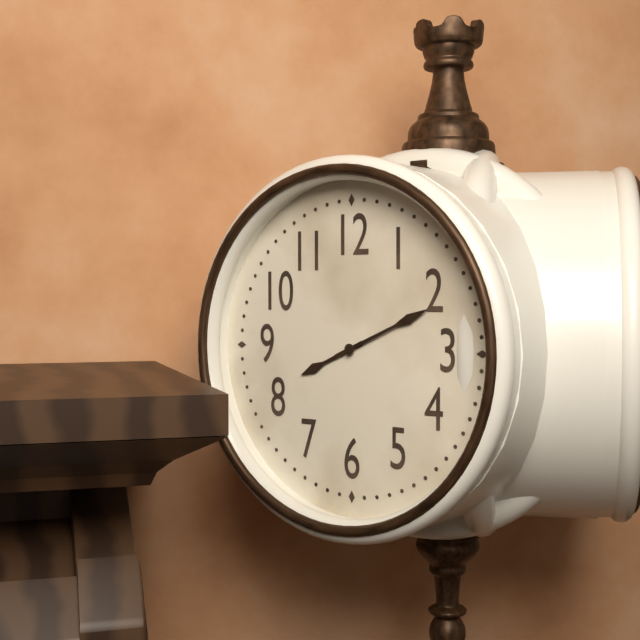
8.11
